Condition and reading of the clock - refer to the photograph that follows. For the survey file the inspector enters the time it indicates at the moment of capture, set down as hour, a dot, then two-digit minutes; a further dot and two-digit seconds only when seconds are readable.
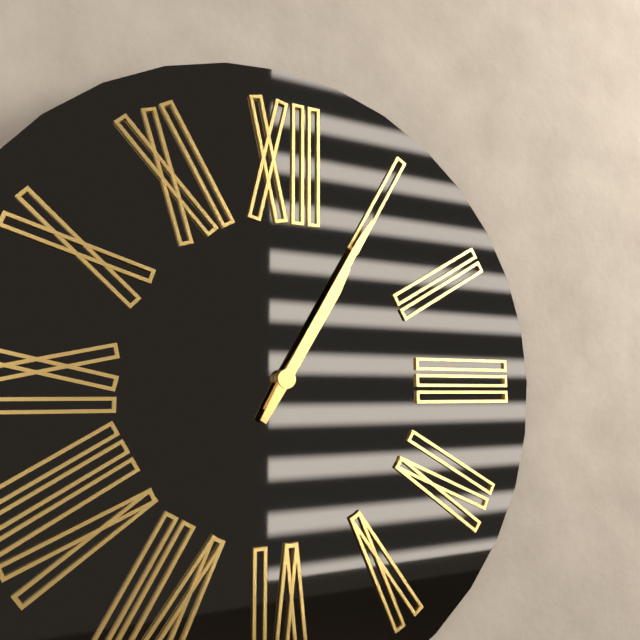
1.05
